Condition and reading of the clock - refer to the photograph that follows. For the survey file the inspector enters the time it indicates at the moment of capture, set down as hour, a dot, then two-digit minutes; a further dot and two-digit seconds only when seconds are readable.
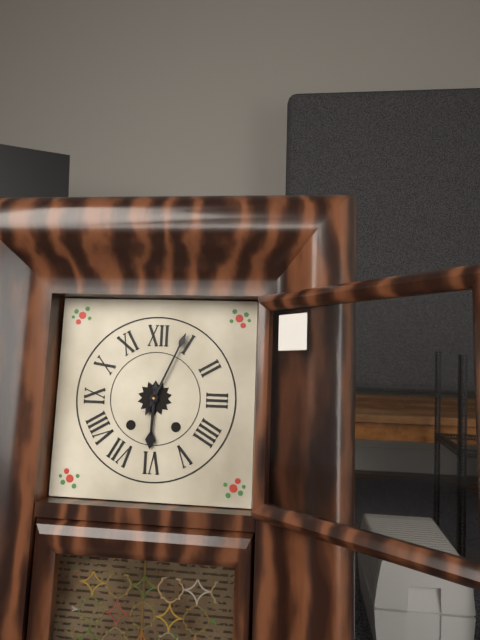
6.04
